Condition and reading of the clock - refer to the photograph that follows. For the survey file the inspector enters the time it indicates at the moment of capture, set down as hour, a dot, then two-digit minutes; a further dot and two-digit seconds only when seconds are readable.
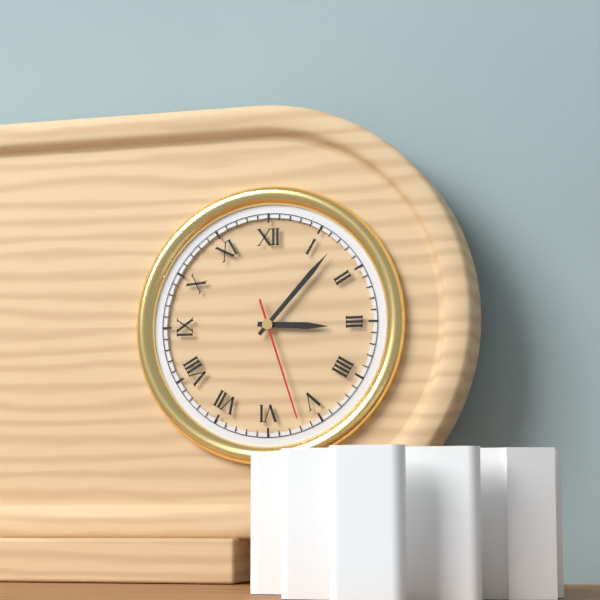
3.07.27
